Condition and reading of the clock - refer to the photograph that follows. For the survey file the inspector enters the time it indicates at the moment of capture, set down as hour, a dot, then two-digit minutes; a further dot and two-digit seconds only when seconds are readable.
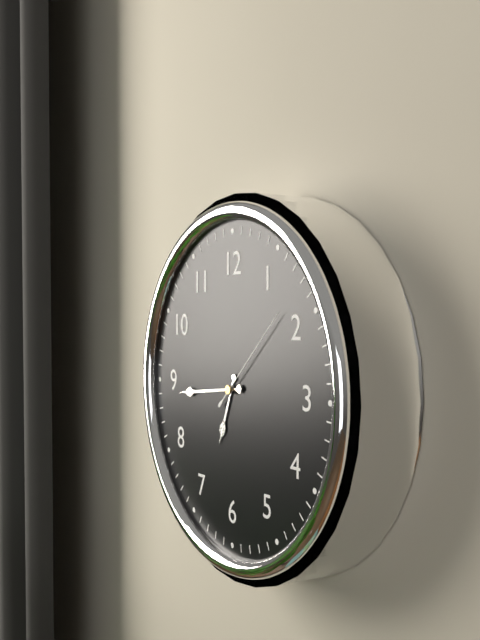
6.44.08
